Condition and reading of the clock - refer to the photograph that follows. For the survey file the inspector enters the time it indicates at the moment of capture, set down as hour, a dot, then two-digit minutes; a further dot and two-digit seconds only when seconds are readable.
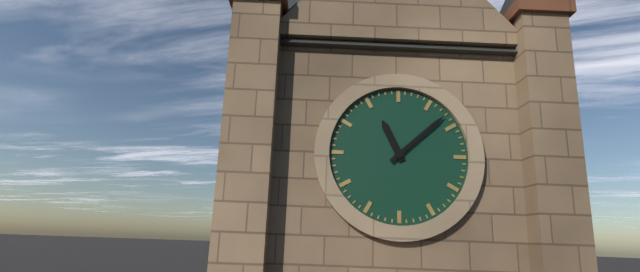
11.08
